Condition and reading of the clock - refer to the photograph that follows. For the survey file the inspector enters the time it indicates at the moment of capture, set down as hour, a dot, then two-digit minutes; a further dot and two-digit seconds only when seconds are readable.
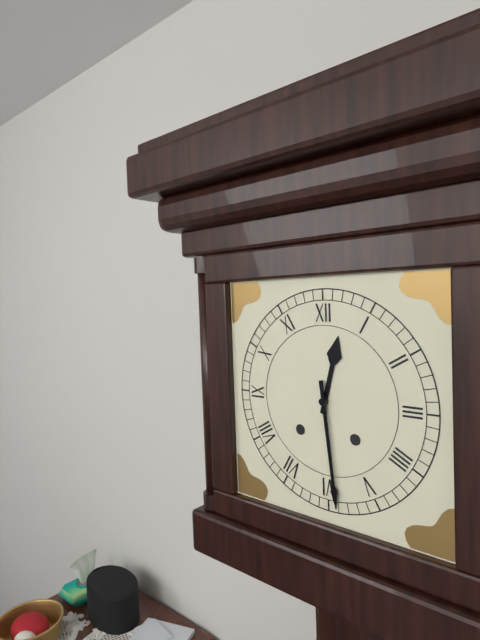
12.29
